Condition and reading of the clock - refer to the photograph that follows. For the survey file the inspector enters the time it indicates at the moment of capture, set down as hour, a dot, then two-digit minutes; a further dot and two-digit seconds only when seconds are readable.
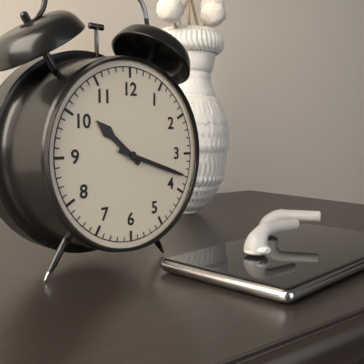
10.18
